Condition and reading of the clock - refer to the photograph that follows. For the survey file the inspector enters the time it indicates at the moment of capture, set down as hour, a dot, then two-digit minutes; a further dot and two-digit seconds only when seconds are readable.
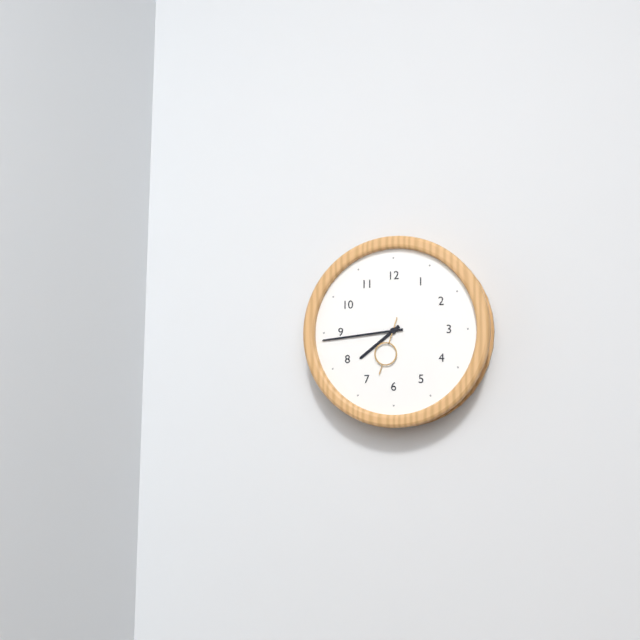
7.44.33
